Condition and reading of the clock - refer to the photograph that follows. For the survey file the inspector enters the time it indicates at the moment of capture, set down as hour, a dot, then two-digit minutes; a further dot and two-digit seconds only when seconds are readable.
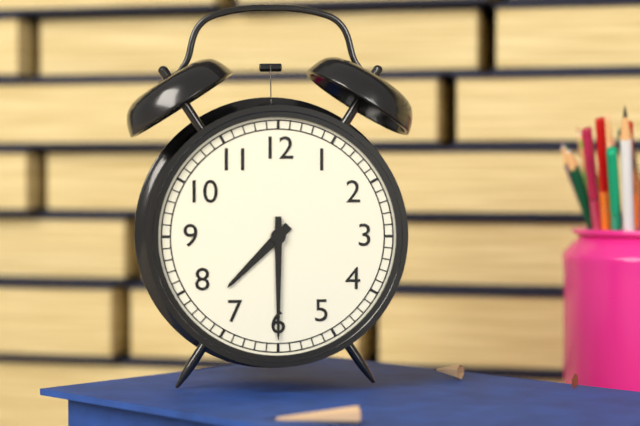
7.30
